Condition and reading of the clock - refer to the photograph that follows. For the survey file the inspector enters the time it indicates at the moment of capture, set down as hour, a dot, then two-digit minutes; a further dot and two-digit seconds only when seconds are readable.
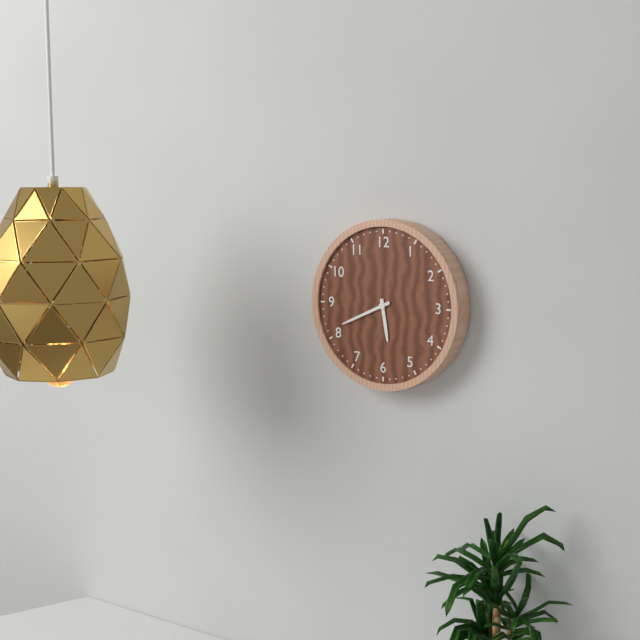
5.41
